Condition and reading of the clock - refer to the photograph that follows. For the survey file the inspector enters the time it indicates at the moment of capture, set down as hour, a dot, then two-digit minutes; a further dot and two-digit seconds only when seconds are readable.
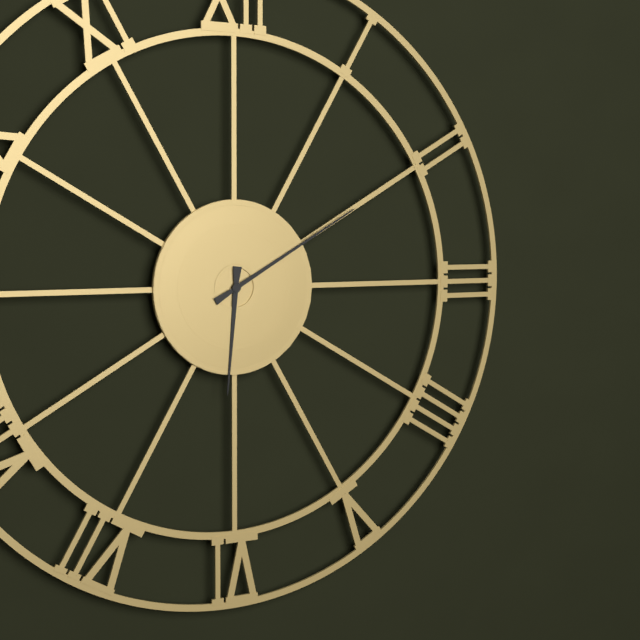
6.10
